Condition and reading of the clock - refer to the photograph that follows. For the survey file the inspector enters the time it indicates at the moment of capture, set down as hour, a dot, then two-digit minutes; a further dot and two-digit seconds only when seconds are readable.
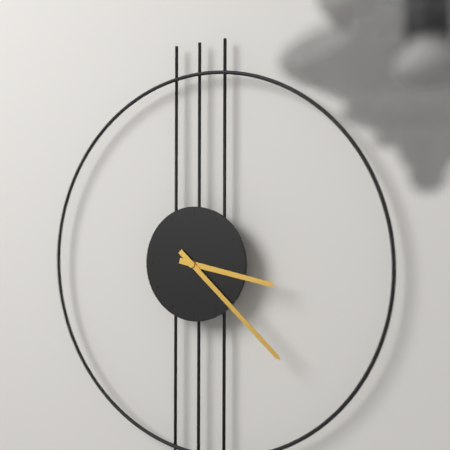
3.22
